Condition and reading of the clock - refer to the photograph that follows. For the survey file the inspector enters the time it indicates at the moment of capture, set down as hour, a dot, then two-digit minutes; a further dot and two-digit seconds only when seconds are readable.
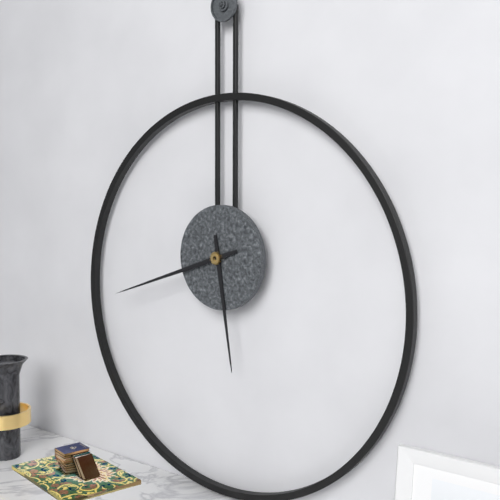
5.42
